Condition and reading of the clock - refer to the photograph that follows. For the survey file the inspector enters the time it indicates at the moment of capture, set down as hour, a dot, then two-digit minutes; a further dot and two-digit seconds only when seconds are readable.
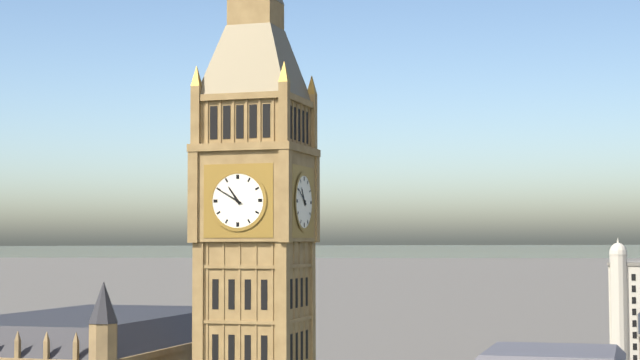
10.50
